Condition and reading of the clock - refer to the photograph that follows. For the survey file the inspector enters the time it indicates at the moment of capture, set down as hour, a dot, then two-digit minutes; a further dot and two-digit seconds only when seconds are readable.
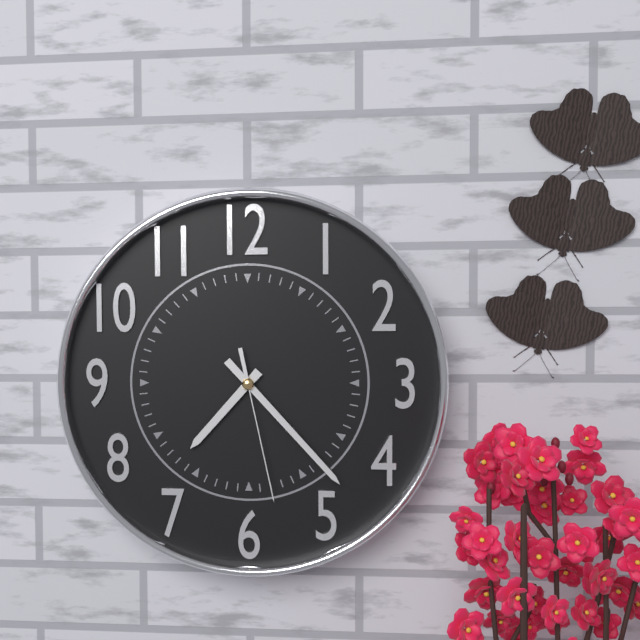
7.23.28
